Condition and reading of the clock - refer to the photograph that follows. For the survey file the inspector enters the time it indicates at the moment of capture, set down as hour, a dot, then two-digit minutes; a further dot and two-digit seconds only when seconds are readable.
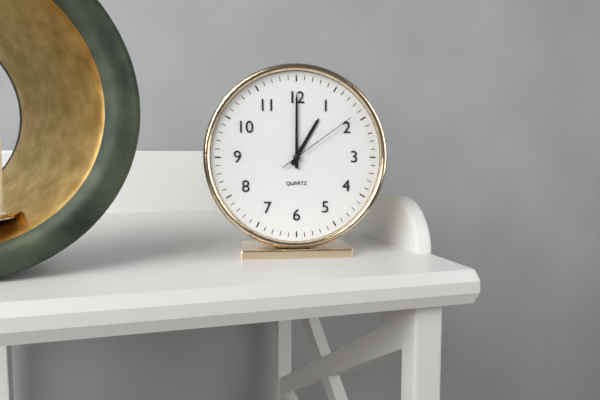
1.00.09
